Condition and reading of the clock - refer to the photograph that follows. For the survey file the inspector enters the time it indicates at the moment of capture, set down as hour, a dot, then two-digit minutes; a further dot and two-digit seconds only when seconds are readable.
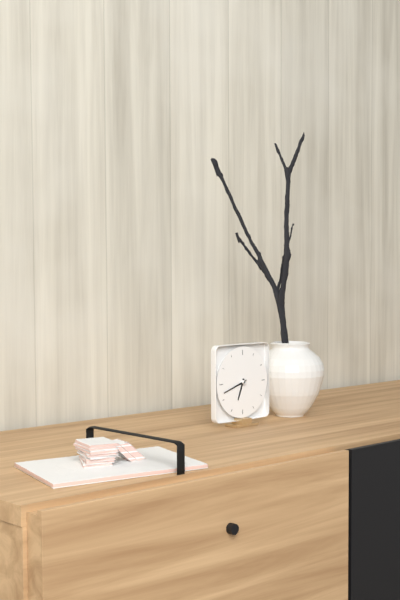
6.42
